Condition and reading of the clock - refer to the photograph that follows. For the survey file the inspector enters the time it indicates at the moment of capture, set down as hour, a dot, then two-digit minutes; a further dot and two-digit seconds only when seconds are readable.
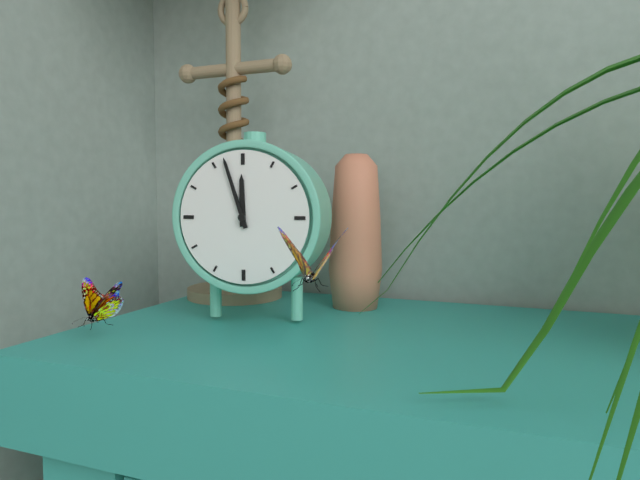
11.57
